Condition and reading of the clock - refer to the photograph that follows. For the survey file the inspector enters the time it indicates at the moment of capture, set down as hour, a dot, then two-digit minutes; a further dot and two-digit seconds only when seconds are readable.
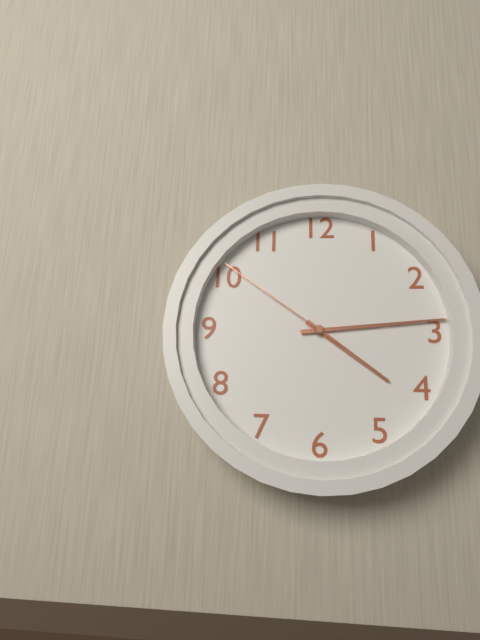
4.14.51
